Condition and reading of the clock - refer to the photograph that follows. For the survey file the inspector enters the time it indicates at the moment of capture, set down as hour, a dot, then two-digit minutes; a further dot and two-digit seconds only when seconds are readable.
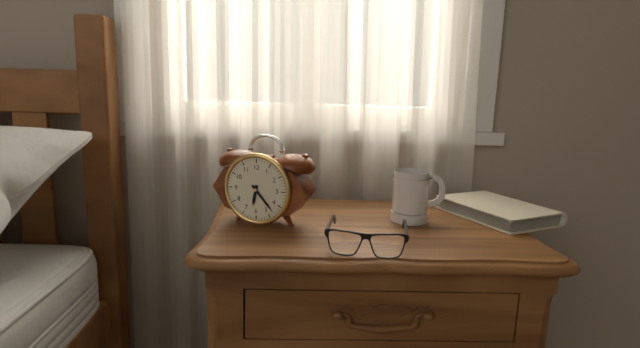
6.23
